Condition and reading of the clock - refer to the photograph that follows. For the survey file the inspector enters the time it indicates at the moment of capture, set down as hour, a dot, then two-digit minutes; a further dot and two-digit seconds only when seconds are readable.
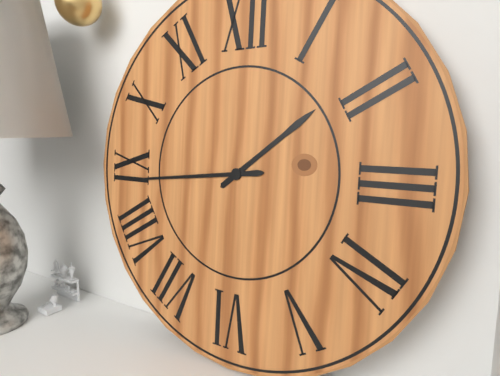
1.44
